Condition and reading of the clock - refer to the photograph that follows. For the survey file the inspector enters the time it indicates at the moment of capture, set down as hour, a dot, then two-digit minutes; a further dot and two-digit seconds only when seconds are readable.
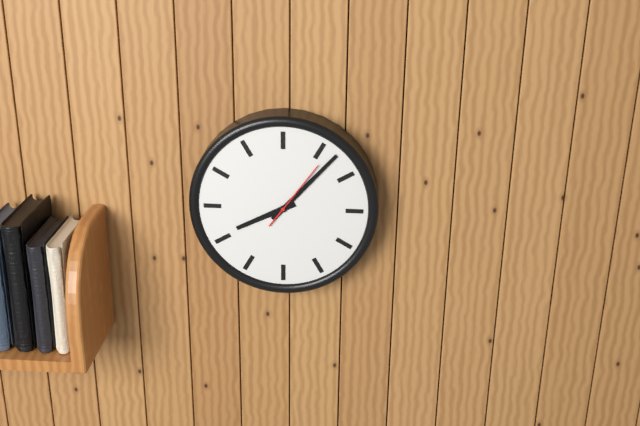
8.07.06
